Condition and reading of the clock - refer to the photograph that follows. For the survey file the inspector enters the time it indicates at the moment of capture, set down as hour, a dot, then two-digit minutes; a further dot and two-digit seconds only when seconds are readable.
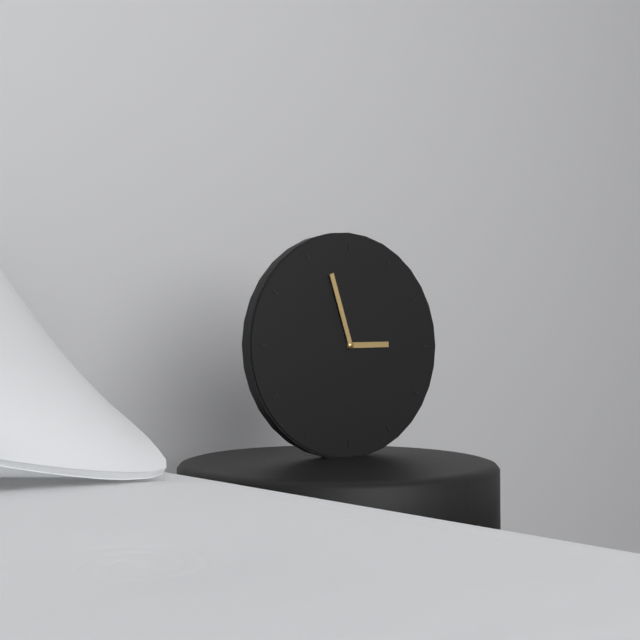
2.57
